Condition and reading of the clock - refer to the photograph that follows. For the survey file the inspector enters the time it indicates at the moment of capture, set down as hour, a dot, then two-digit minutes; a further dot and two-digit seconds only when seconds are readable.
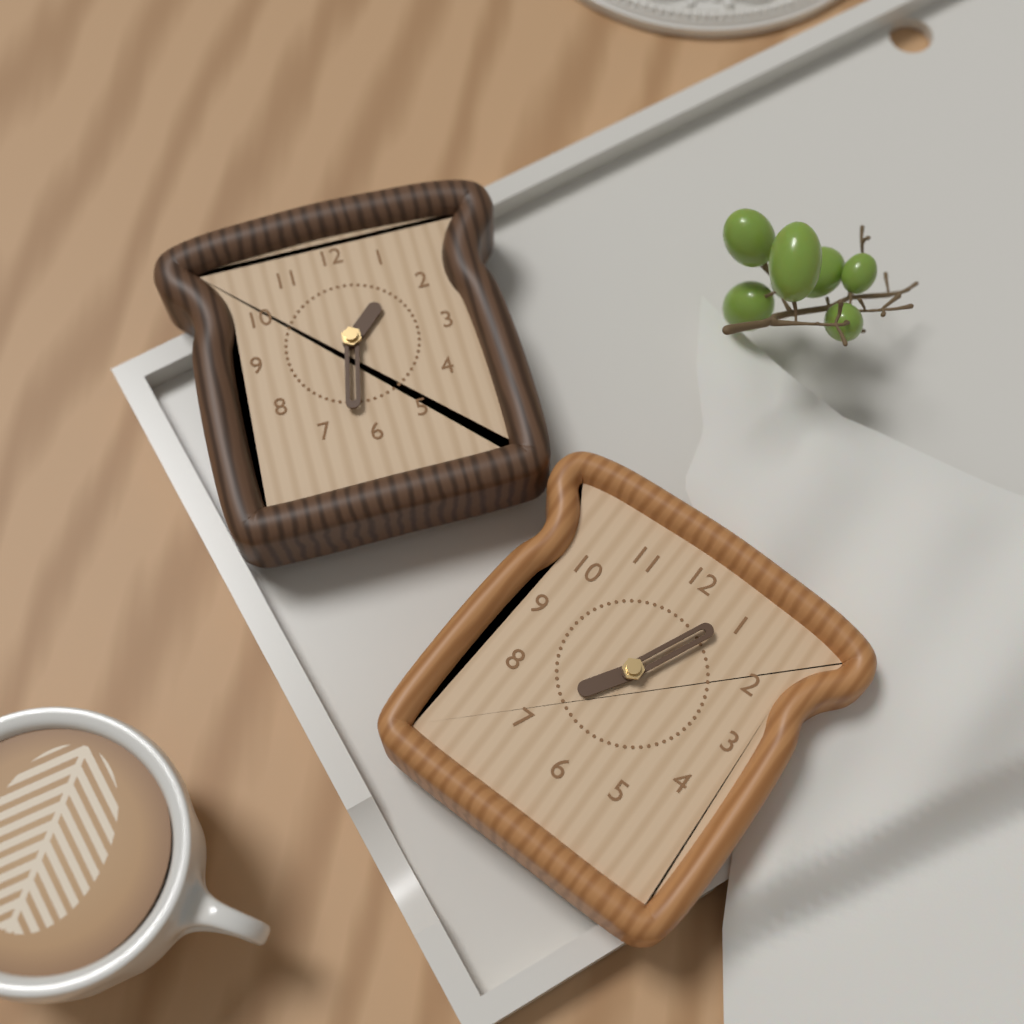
7.04
